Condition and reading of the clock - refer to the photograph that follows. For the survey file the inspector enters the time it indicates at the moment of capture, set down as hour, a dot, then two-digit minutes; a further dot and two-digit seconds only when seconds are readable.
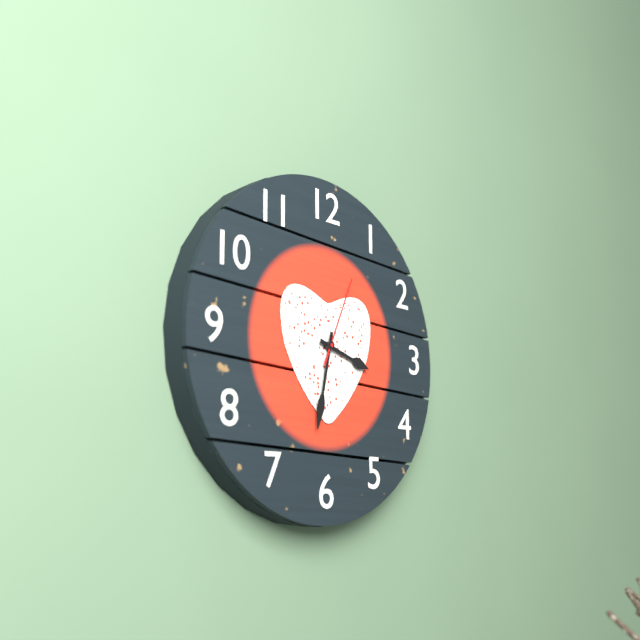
3.32.04
